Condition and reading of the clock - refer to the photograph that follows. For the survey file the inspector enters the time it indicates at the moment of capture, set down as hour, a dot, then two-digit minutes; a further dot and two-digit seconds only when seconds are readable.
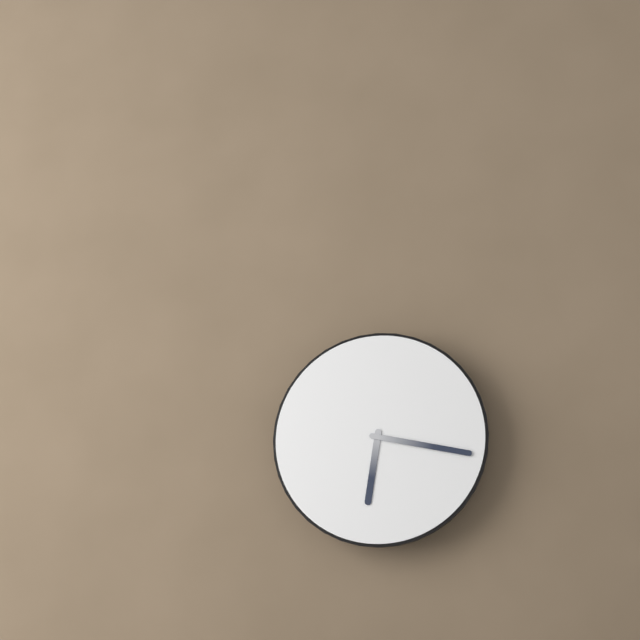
6.17
